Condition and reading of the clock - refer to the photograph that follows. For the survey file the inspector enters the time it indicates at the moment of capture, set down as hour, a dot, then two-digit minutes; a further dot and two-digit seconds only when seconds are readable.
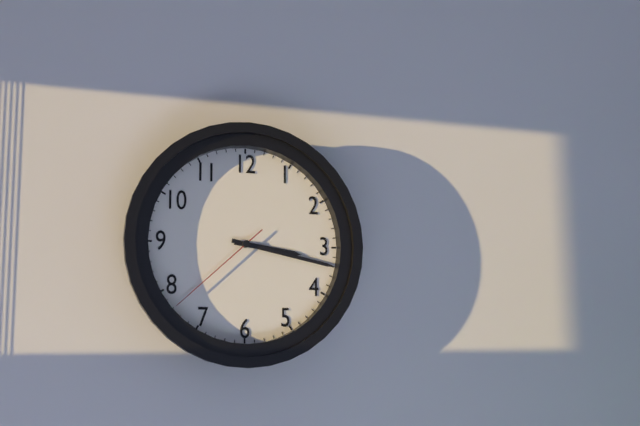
3.17.38
